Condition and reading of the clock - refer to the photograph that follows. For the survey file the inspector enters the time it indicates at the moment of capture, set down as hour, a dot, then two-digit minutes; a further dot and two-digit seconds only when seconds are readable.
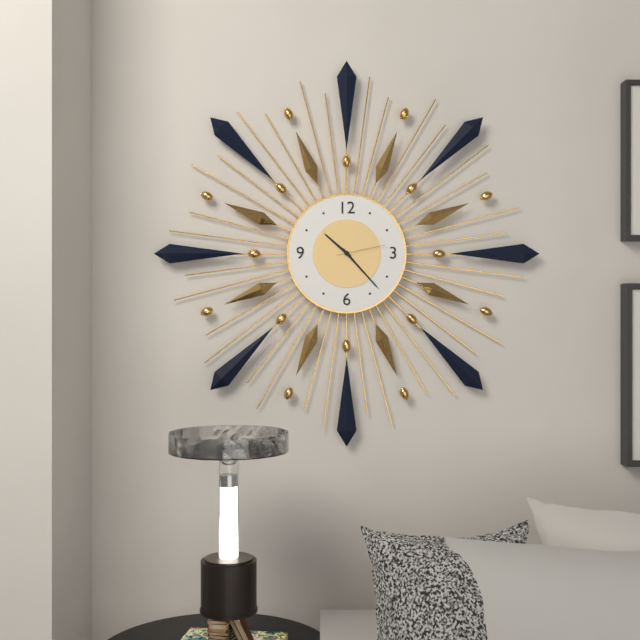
10.23.13
